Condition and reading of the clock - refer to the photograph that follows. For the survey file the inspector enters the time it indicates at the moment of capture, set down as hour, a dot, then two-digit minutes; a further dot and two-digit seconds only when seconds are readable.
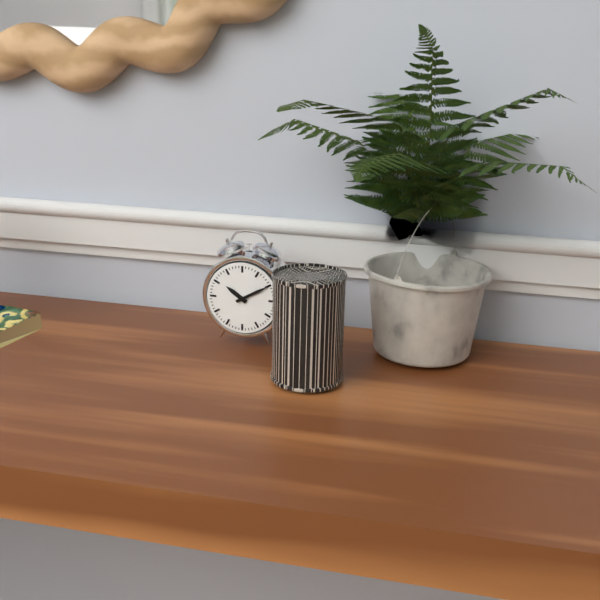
10.10
